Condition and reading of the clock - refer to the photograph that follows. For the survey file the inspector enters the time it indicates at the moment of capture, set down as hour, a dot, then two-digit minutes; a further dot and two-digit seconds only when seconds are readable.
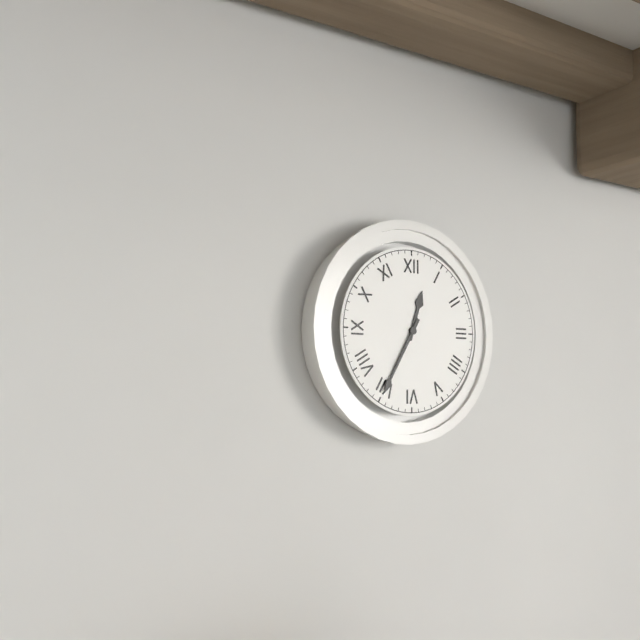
12.35
